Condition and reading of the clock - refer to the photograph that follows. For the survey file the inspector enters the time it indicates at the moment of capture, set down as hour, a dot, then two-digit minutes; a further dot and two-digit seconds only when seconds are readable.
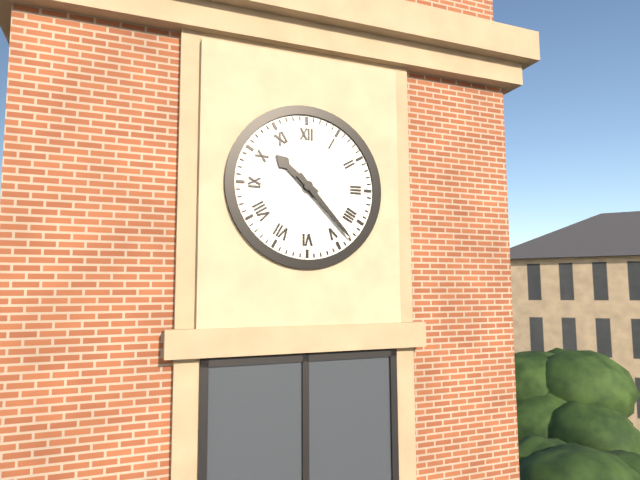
10.23
